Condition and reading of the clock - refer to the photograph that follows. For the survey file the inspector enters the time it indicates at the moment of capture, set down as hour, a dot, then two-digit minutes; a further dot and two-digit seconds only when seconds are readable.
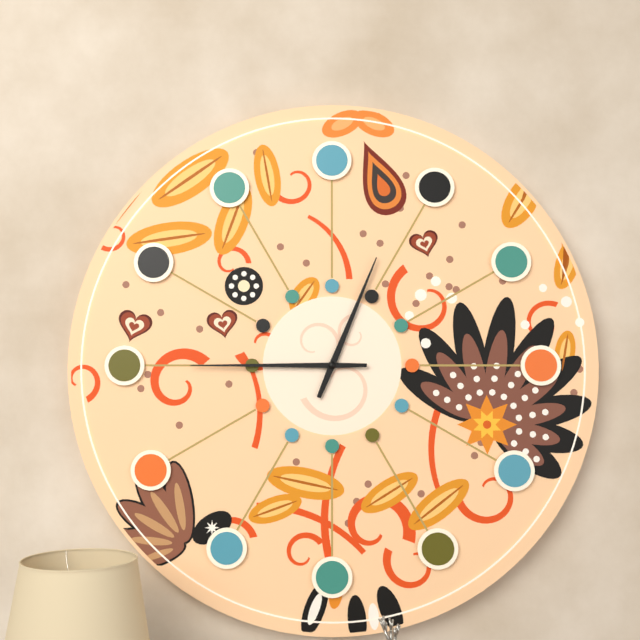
12.45
